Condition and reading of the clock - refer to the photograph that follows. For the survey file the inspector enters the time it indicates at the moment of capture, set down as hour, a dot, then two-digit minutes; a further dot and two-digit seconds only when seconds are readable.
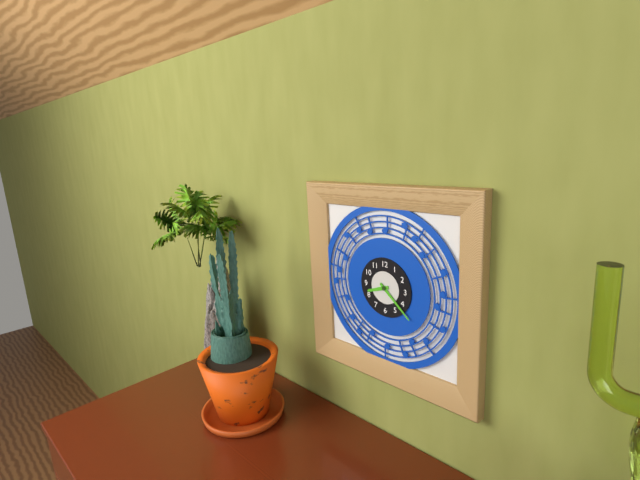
8.22
